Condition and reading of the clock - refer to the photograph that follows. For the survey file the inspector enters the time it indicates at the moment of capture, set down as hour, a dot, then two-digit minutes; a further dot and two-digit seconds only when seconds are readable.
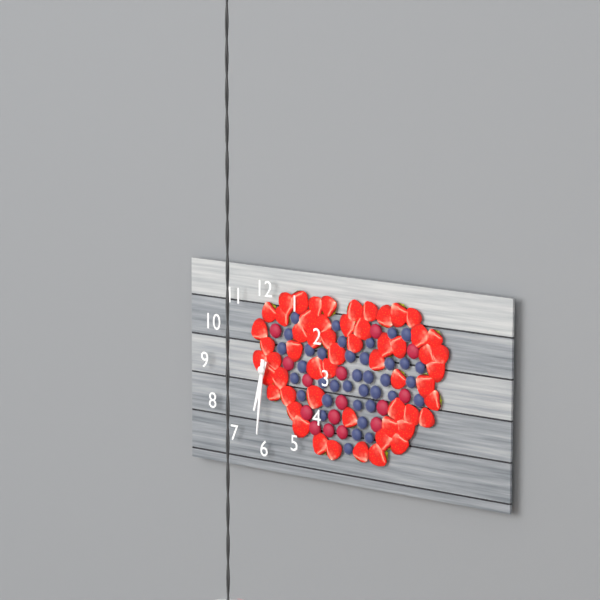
6.31
